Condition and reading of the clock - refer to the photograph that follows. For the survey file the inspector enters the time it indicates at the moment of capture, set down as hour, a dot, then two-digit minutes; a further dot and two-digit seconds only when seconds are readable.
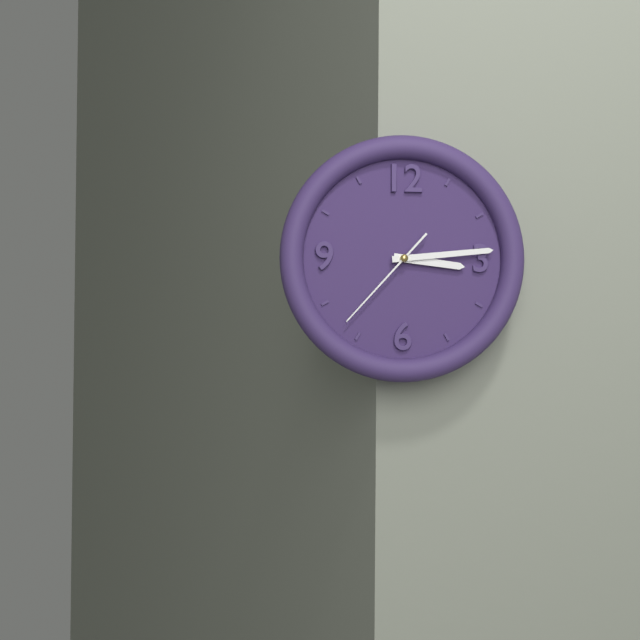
3.14.37
